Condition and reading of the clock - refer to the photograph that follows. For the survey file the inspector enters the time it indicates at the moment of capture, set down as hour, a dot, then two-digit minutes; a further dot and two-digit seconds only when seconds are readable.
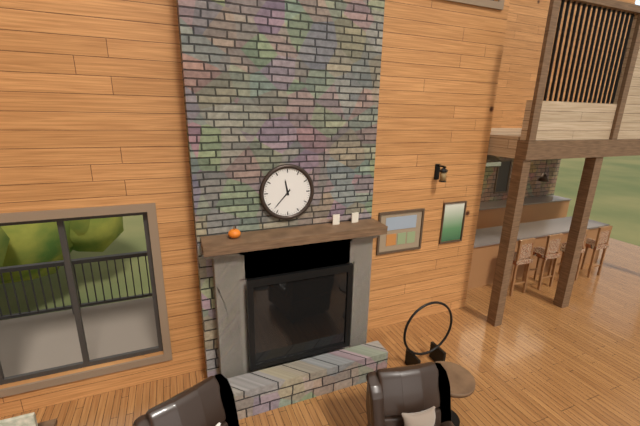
11.37
